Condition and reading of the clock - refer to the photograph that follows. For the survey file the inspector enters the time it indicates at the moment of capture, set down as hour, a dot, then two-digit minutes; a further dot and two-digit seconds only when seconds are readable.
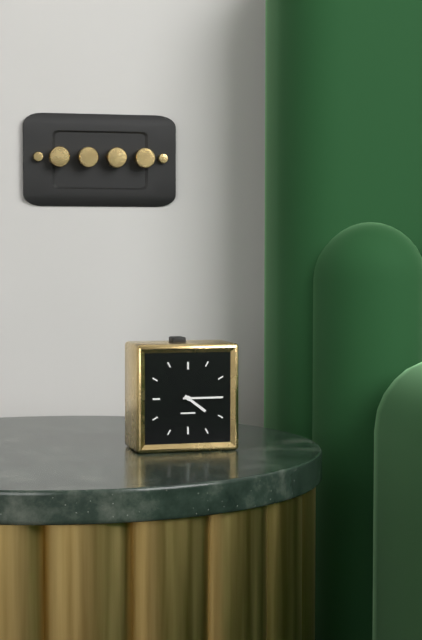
4.15
